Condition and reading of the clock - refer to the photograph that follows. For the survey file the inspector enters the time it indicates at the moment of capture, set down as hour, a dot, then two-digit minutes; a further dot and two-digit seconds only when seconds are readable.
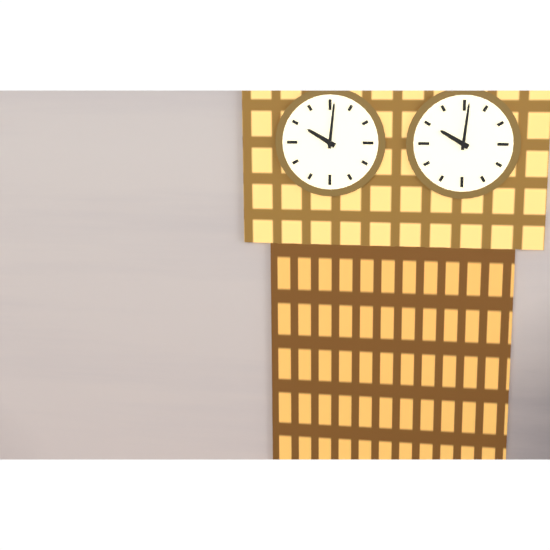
10.01
